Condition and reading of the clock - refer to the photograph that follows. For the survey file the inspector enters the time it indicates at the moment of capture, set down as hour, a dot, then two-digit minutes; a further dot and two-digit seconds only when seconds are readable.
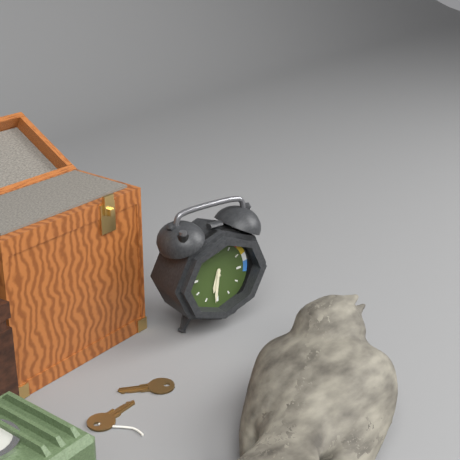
6.31
